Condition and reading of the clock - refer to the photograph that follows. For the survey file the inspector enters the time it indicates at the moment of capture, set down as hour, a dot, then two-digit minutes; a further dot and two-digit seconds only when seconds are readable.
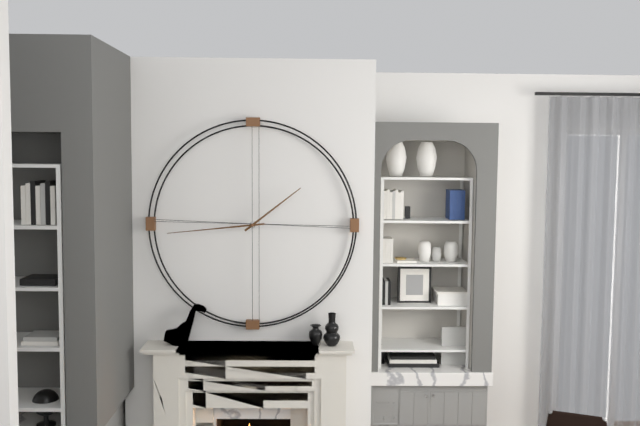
1.44
